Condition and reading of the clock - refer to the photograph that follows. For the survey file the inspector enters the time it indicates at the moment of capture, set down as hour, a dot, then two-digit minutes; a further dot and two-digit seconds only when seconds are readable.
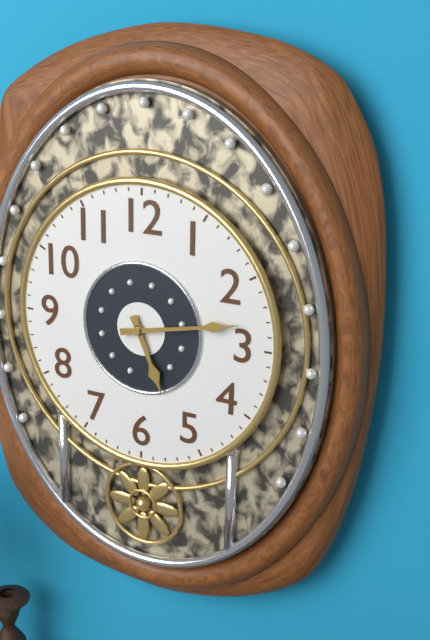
5.13
